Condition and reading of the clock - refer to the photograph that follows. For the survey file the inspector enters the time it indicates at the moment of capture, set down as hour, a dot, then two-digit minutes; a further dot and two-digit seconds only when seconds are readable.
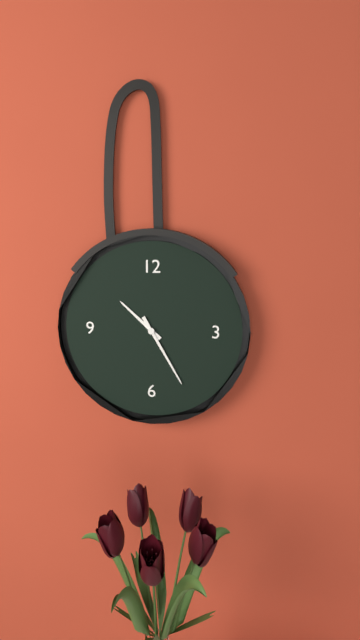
10.25
